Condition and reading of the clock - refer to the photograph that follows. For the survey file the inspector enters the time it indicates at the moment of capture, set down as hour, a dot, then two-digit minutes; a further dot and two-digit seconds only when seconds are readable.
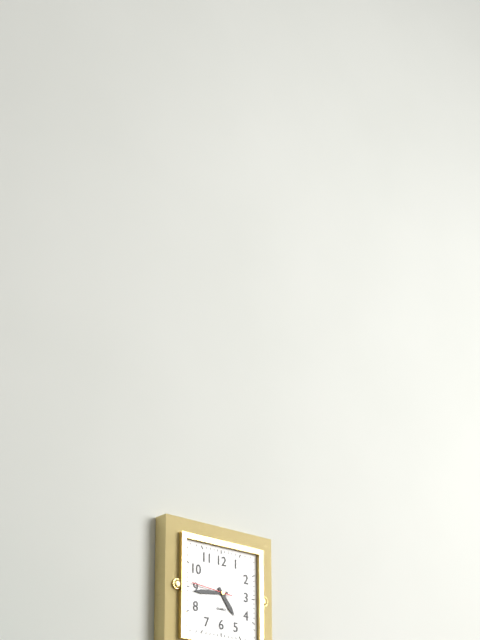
4.44
